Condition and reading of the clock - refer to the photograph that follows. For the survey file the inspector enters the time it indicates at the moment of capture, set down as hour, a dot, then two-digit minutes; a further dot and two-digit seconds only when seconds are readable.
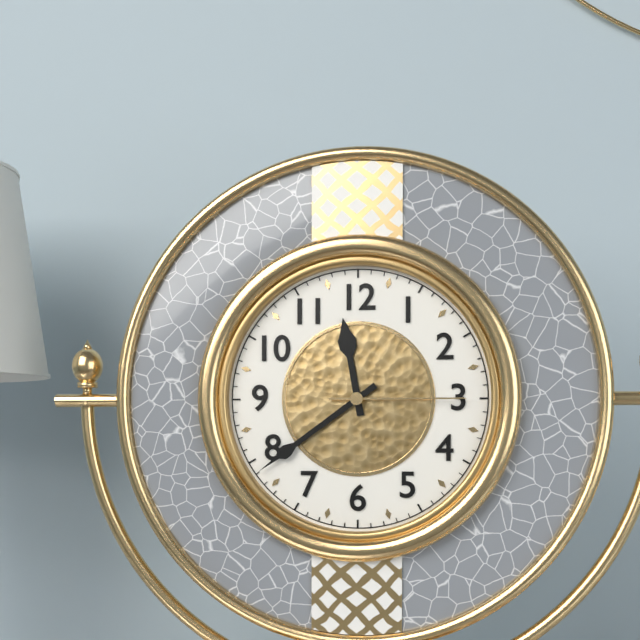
11.39.15
